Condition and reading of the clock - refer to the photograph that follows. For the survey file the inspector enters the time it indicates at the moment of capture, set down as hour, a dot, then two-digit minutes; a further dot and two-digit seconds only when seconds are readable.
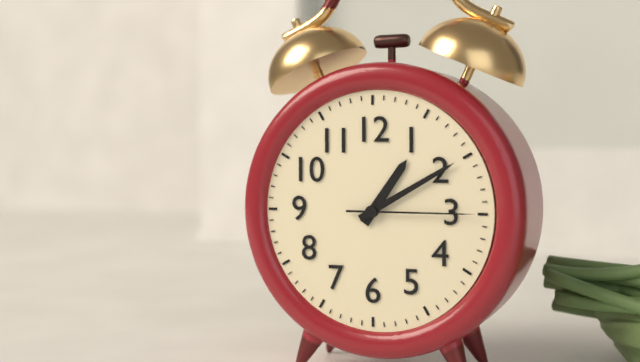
1.10.15
